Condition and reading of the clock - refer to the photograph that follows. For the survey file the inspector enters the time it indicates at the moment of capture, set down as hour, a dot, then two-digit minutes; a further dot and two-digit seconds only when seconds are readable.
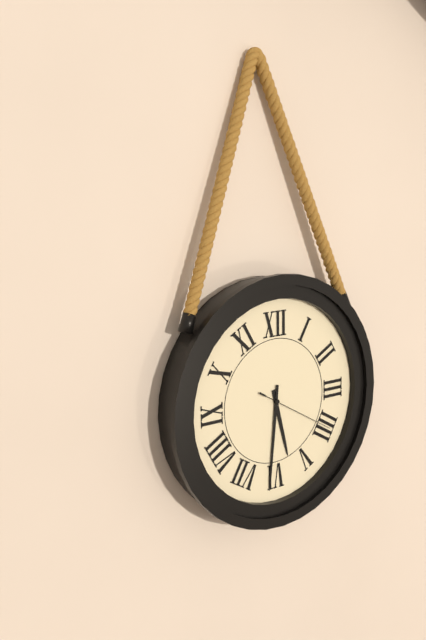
5.31.20
